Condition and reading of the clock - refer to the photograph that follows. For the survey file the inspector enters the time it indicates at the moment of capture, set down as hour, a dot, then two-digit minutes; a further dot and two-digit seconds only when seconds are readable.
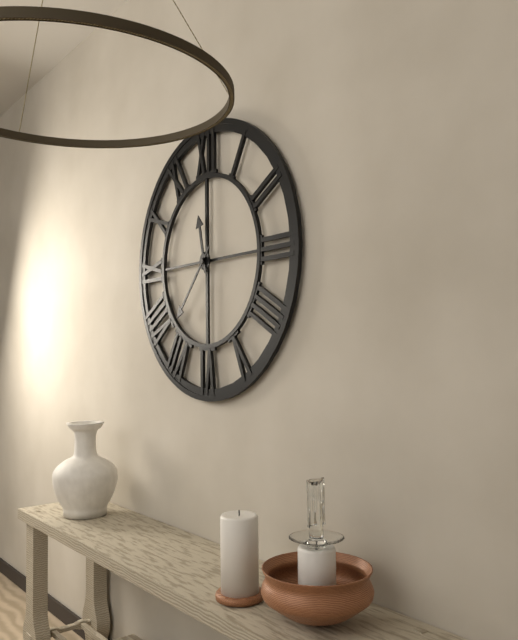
11.37
